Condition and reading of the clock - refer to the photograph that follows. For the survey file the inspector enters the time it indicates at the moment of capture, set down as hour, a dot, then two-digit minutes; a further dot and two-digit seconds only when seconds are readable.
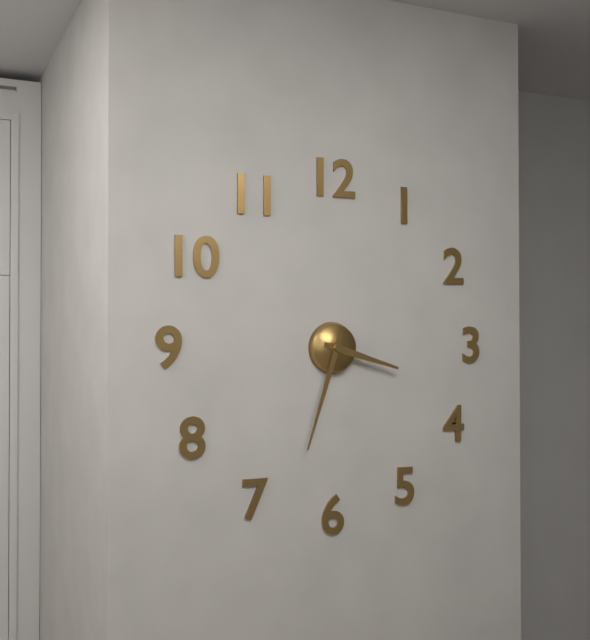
3.33
